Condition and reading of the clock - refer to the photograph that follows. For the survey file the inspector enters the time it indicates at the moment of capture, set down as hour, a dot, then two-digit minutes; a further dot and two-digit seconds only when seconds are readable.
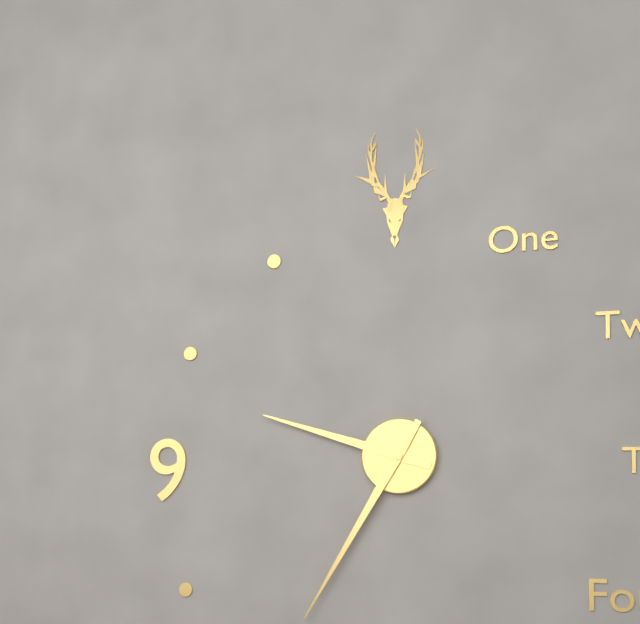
9.35
